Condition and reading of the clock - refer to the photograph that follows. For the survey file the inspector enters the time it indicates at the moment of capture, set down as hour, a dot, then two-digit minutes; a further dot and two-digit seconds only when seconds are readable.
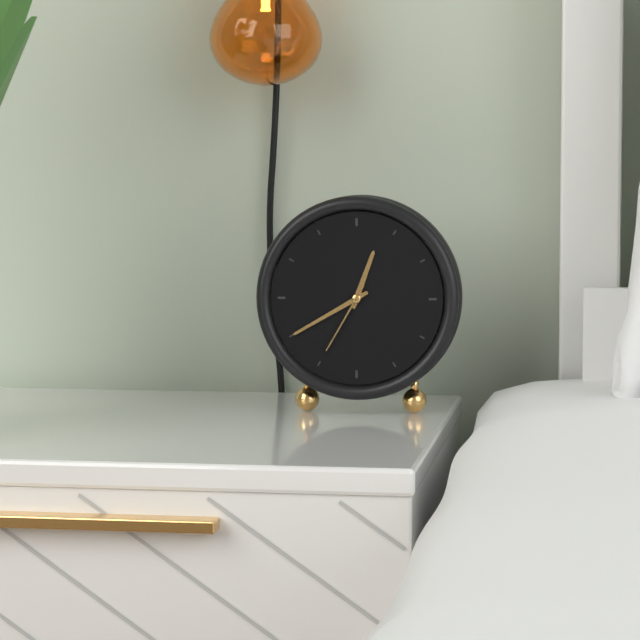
12.40.35
